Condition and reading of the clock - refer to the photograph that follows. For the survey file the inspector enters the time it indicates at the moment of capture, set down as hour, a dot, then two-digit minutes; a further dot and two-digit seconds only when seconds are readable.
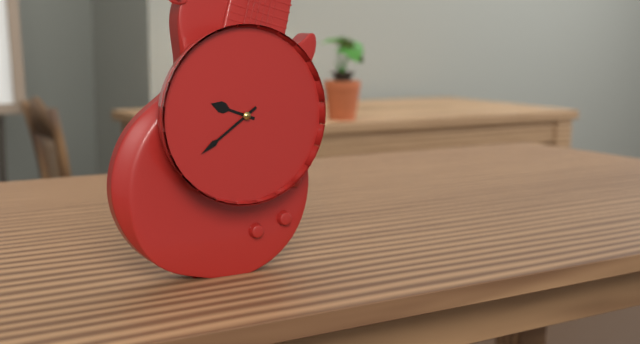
9.39
